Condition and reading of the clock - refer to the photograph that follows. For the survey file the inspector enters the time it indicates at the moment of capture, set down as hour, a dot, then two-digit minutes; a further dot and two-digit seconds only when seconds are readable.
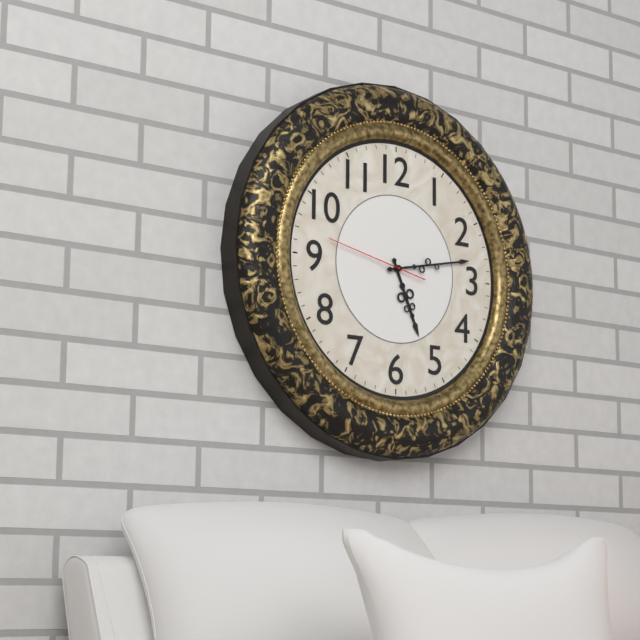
5.13.47
